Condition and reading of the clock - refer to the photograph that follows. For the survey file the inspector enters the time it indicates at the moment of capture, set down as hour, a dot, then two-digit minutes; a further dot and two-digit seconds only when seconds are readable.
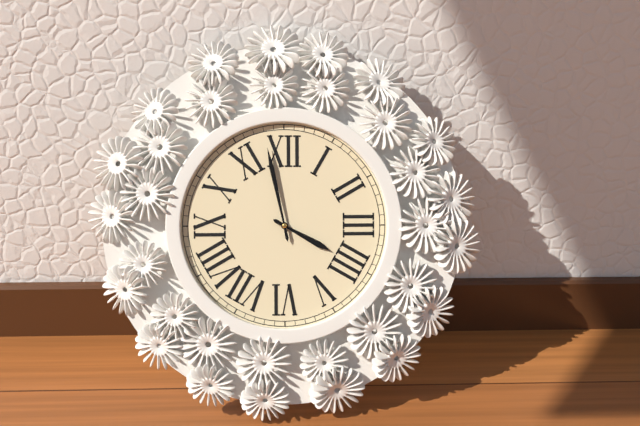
3.58
